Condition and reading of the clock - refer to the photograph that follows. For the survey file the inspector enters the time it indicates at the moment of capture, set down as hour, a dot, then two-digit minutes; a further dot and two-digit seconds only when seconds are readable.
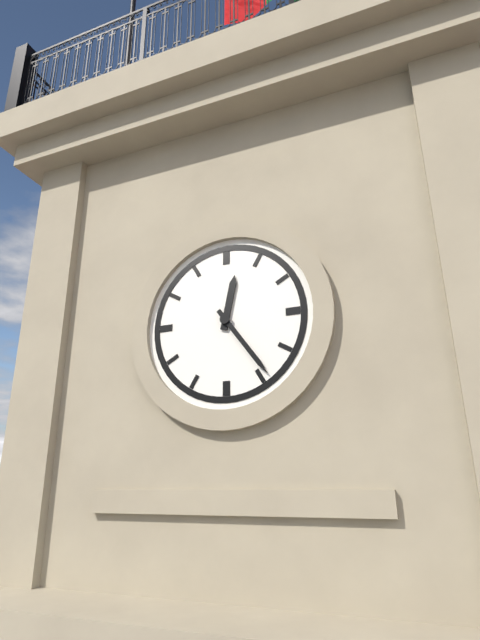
12.24
